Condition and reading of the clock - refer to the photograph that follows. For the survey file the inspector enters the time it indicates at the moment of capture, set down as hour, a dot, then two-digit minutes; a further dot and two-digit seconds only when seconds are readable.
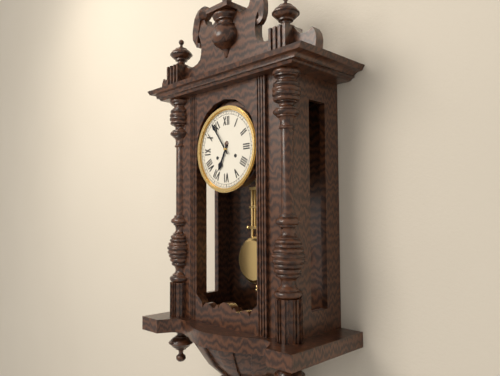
6.54
